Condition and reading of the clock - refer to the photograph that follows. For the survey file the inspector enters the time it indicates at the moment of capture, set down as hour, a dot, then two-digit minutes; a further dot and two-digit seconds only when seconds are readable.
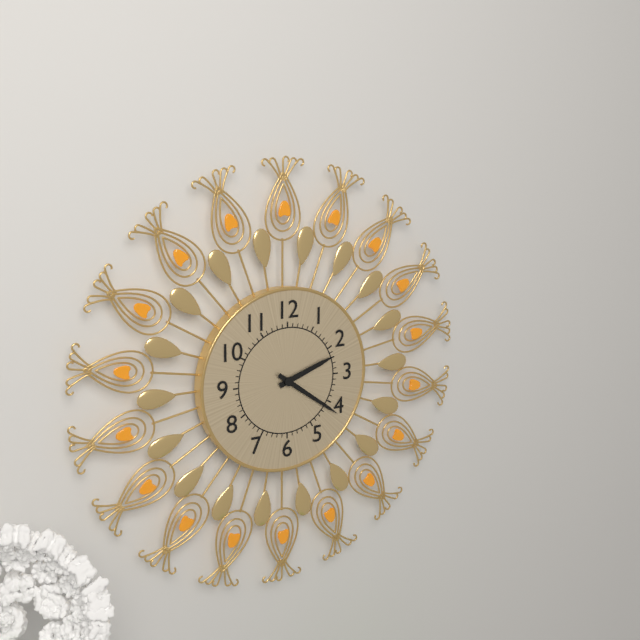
2.21
